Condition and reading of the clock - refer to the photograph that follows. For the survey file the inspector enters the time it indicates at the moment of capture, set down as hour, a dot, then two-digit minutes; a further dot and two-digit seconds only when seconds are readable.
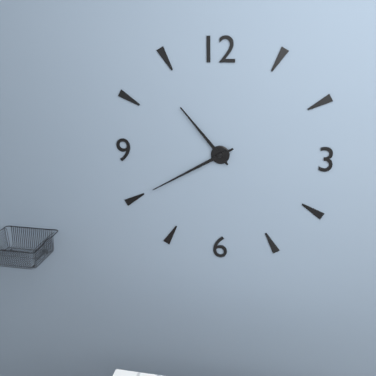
10.40
